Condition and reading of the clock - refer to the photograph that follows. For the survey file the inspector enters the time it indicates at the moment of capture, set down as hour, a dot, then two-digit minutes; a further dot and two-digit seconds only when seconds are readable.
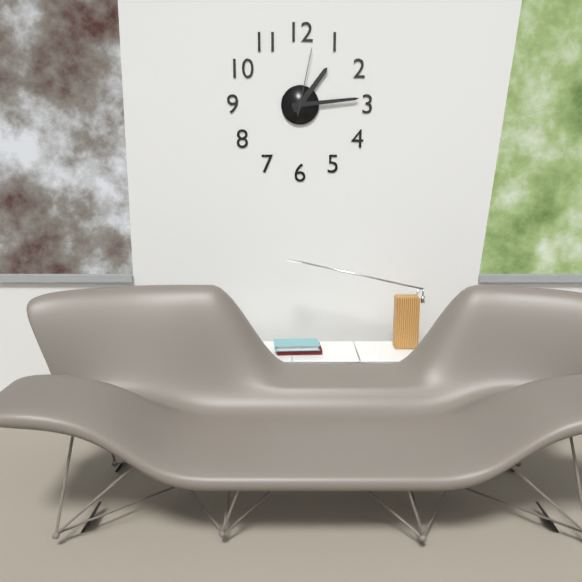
1.14.02
